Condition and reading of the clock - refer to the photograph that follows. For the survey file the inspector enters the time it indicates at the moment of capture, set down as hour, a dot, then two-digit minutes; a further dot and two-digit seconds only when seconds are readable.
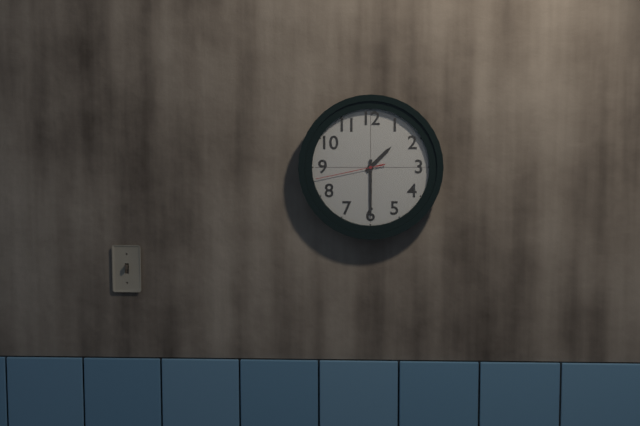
1.30.43
